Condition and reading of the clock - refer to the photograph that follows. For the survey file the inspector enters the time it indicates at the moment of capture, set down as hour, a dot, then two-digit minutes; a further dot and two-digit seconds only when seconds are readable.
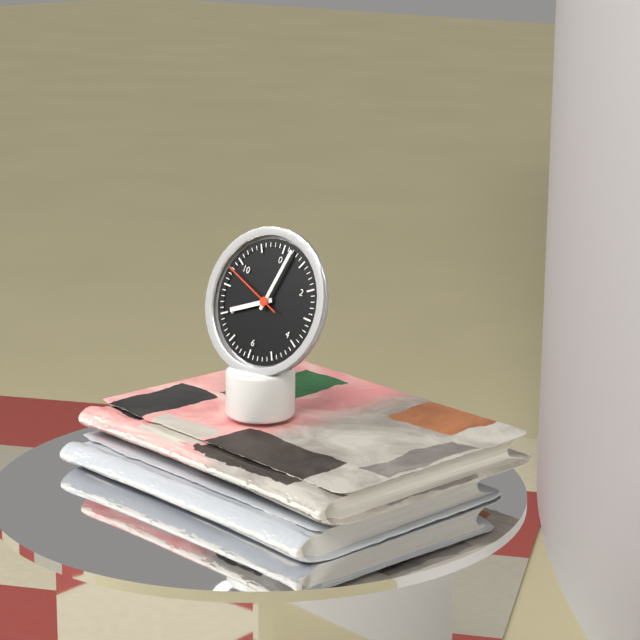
8.02.48
